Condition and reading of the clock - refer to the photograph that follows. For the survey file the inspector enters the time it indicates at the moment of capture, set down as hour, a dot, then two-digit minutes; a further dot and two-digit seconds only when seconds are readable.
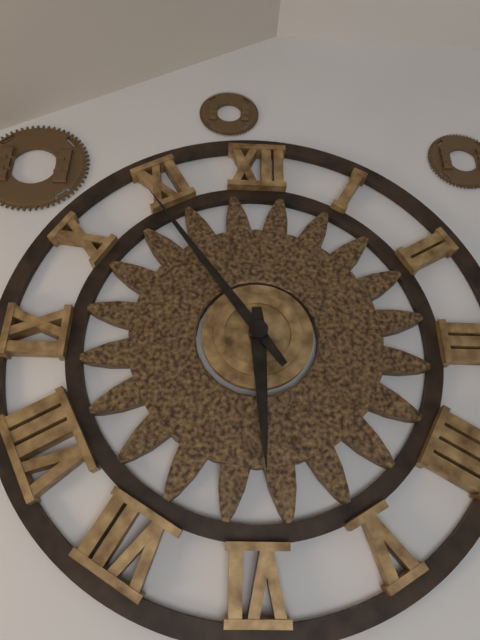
5.54
